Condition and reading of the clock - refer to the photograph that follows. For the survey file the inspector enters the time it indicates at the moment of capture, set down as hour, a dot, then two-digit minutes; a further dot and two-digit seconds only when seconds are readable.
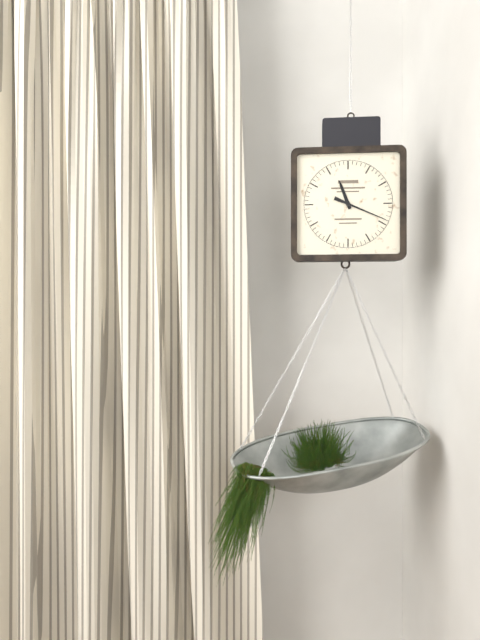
11.19
